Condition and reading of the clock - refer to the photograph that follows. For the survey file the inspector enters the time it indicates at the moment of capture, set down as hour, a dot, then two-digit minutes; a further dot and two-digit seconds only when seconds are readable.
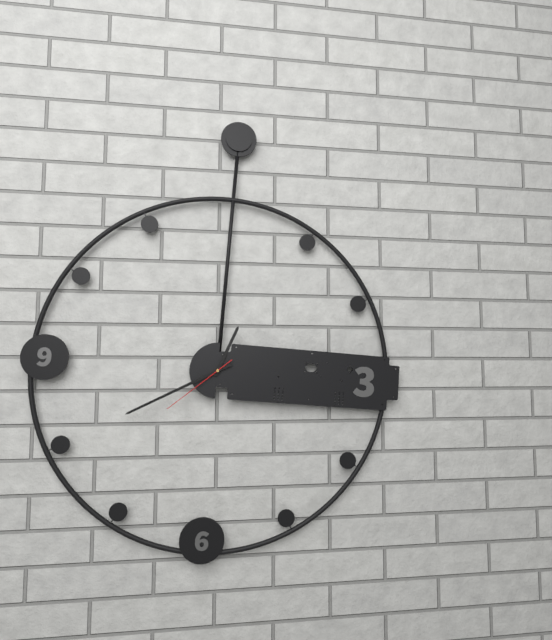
12.40.38
